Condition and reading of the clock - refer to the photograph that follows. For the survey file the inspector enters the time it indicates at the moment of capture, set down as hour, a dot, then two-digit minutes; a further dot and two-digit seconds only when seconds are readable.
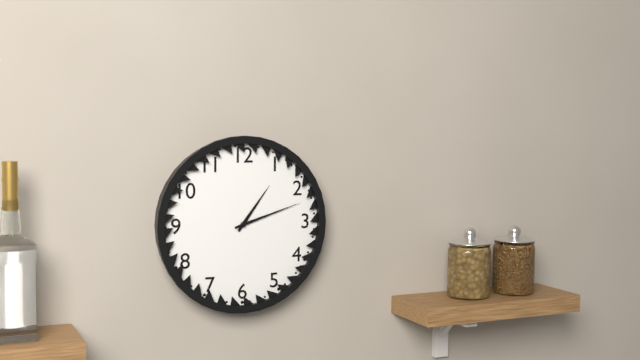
1.12
